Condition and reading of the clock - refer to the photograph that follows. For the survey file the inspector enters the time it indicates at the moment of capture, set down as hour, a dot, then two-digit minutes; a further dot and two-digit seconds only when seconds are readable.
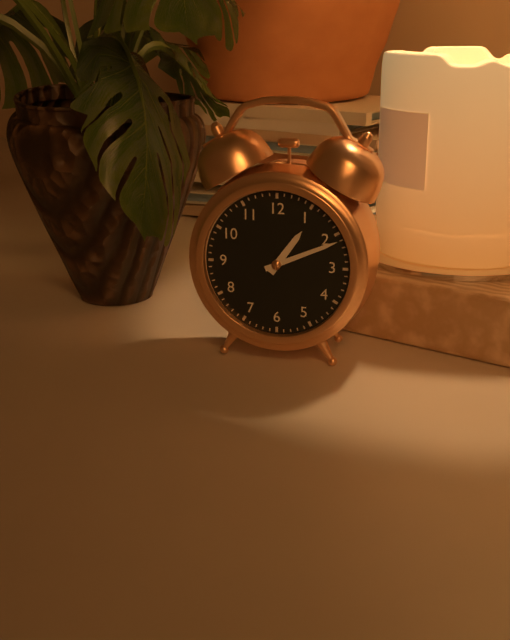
1.11
